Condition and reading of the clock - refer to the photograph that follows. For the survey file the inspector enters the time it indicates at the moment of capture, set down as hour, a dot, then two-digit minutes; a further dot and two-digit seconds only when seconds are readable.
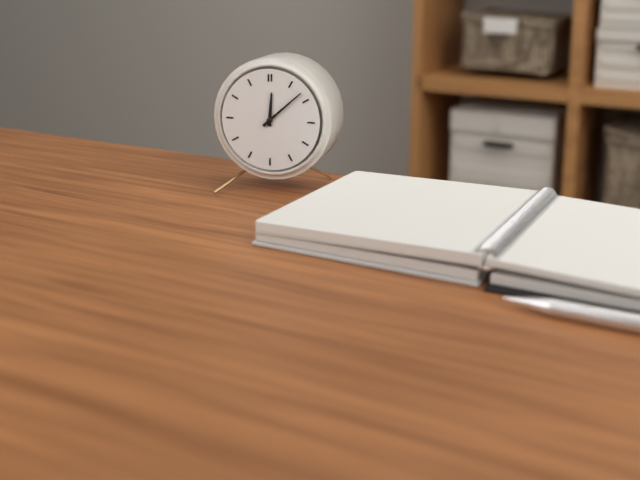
12.08
